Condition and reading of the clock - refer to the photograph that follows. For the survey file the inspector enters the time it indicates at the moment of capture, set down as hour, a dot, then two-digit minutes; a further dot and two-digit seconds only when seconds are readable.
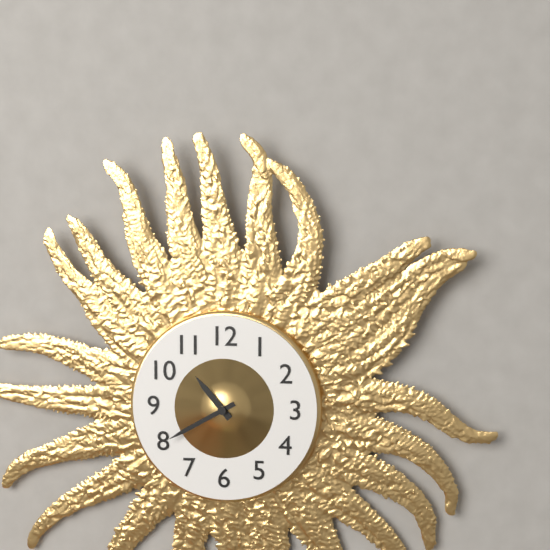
10.40
